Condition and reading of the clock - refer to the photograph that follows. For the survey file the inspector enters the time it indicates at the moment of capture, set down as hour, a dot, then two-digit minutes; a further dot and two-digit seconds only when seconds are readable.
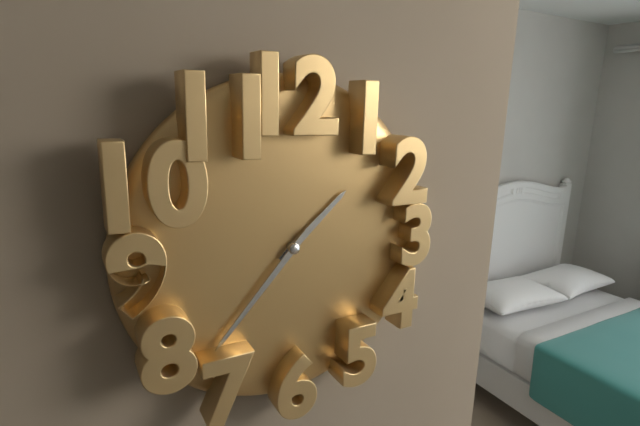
1.37
